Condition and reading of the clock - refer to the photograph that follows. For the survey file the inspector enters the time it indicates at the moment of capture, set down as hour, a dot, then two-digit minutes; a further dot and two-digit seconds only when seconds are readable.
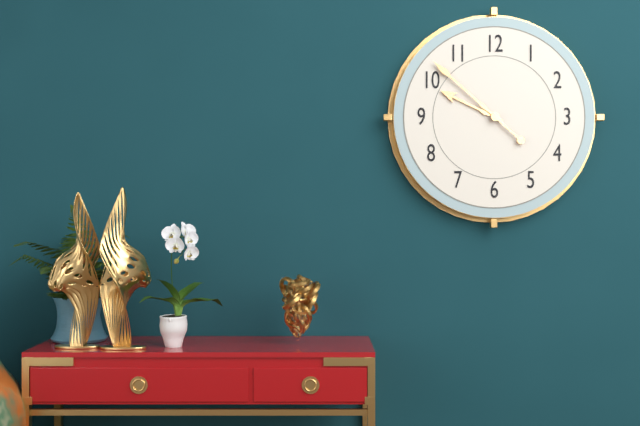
9.52
